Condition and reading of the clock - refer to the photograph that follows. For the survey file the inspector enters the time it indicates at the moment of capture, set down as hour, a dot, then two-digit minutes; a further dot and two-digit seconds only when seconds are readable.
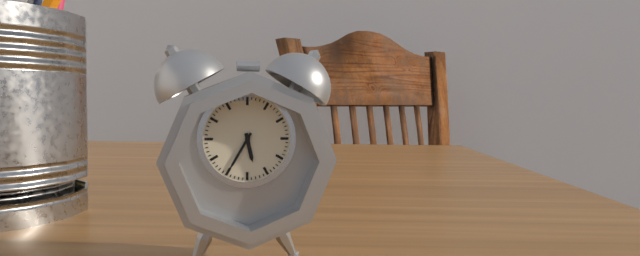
5.35
